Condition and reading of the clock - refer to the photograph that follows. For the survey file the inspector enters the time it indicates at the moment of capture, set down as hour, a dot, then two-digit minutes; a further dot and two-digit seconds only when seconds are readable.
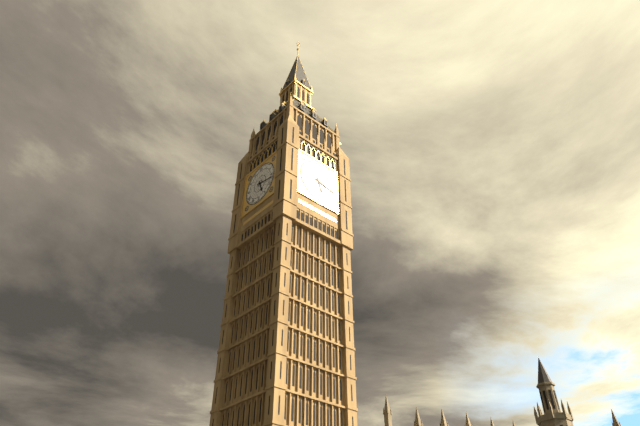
5.17
